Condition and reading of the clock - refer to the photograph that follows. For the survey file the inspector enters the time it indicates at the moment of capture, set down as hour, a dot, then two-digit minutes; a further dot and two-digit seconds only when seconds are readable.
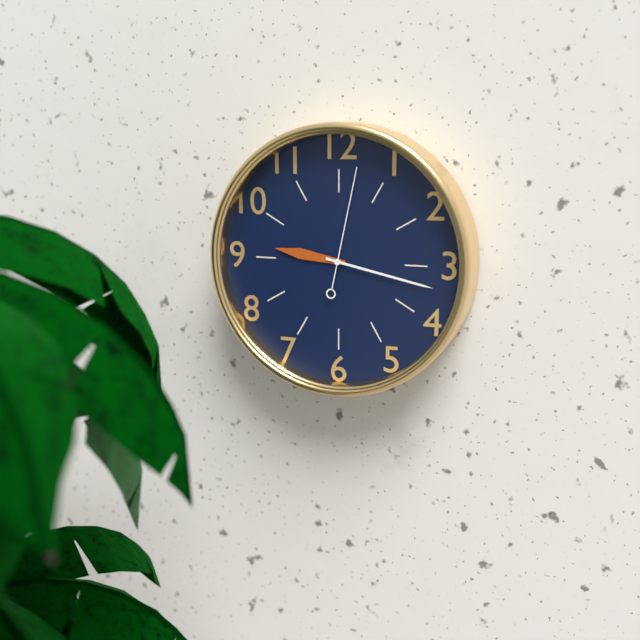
9.17.02
